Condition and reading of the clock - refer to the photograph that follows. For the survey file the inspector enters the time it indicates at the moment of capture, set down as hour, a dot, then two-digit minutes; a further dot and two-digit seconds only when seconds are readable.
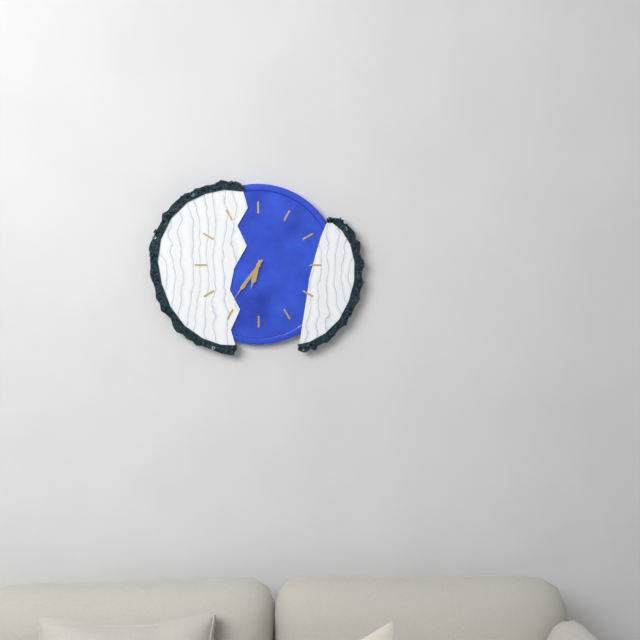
6.36
